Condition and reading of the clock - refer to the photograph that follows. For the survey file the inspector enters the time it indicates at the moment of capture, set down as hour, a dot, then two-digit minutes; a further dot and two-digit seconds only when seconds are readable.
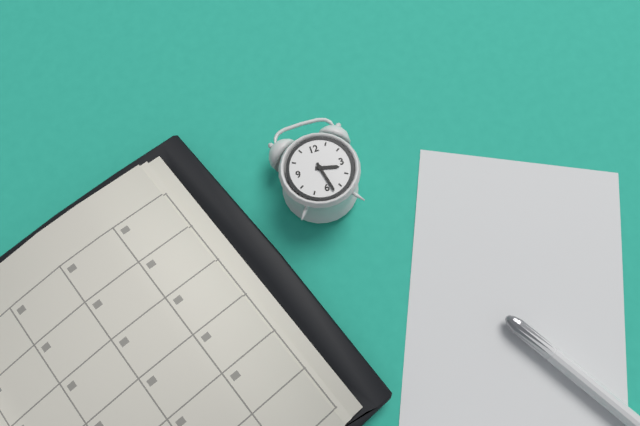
3.28
